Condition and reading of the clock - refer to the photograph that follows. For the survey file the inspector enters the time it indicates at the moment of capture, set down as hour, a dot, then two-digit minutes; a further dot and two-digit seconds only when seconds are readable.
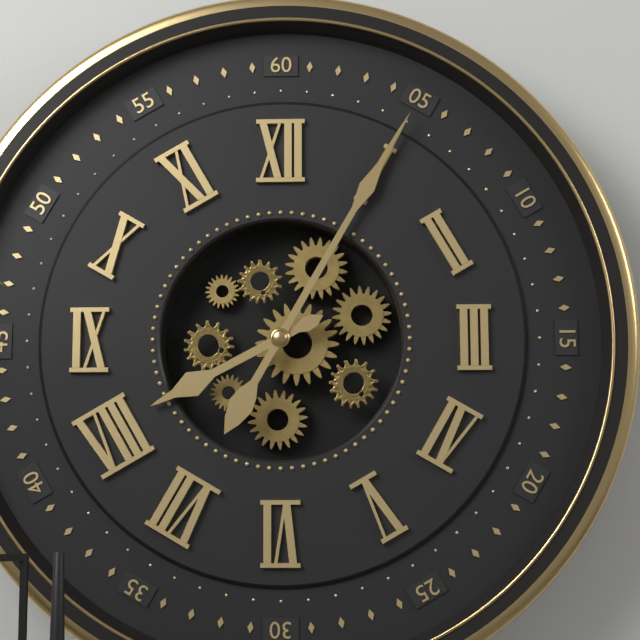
8.05
